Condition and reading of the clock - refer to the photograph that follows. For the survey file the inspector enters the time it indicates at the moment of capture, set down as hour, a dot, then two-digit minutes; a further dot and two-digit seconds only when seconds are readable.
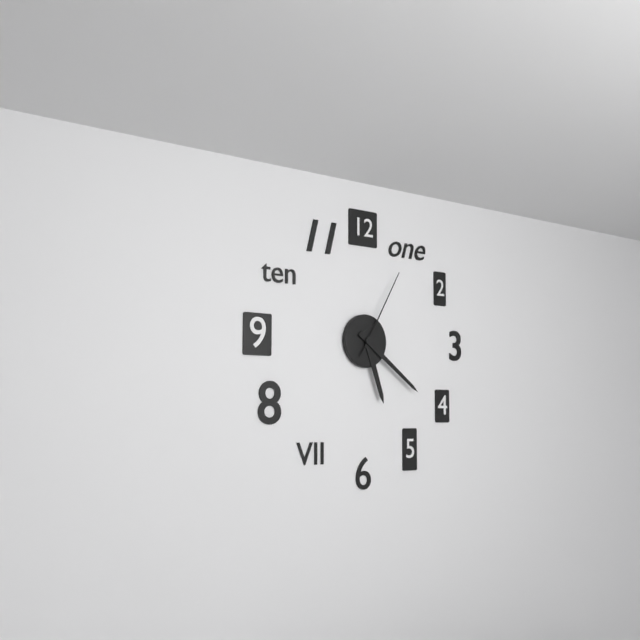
5.21.05
